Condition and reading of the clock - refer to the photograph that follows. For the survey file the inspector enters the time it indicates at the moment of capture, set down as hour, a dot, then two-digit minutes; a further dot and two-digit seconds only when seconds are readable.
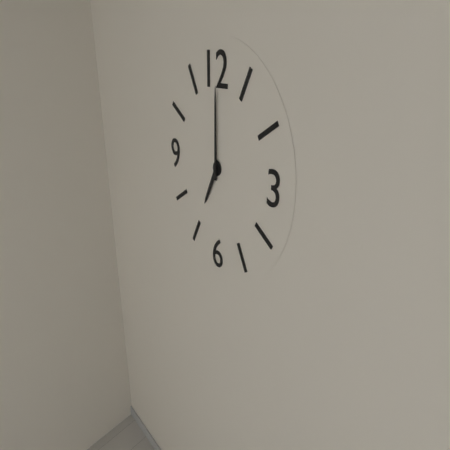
7.00
